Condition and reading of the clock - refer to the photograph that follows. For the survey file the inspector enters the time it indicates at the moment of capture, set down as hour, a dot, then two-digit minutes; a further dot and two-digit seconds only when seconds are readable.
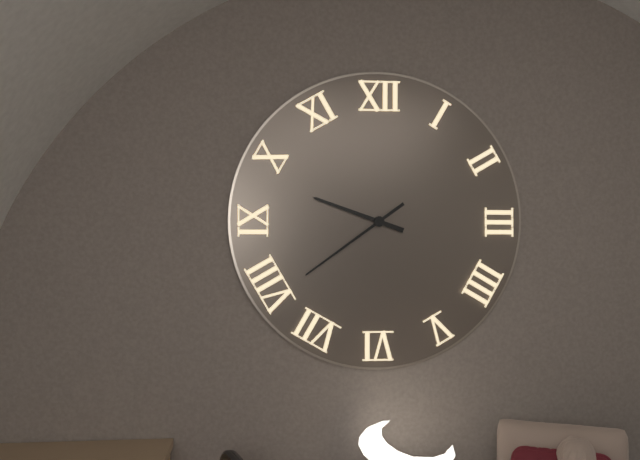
9.39
